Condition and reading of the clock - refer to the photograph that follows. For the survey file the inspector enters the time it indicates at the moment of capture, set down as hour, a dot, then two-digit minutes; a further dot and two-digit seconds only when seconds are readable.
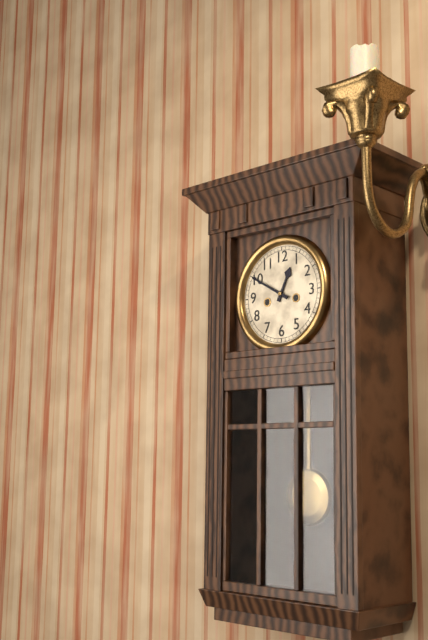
12.50
